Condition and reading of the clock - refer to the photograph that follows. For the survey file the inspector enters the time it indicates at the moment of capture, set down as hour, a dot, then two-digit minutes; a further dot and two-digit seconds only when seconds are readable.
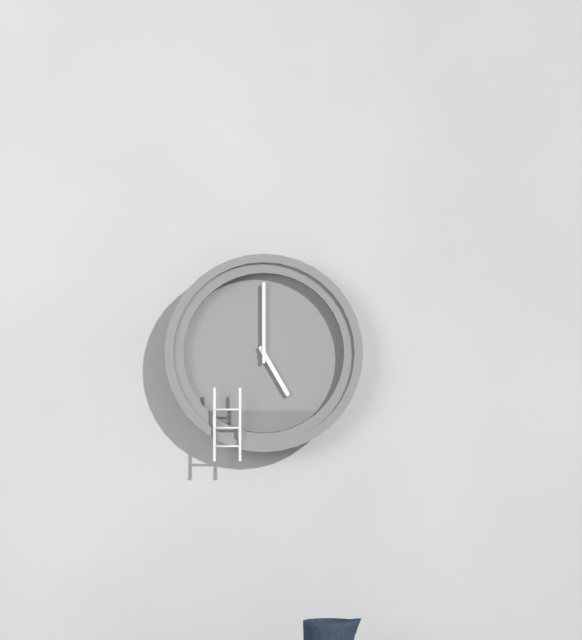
5.00
